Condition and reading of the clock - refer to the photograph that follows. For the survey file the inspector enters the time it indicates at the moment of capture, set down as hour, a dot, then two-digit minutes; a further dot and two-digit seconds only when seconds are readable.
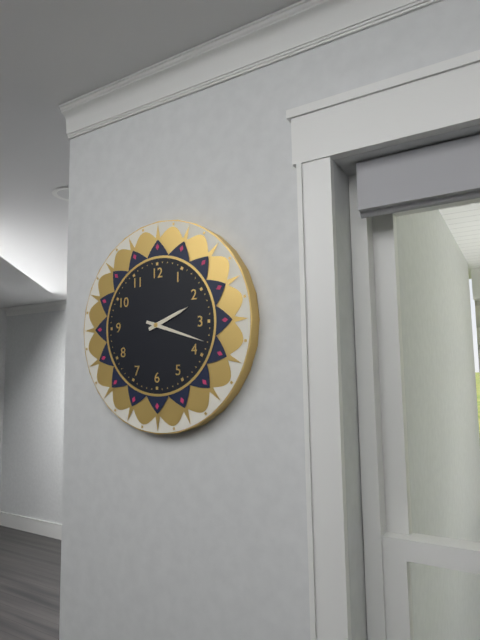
2.18
